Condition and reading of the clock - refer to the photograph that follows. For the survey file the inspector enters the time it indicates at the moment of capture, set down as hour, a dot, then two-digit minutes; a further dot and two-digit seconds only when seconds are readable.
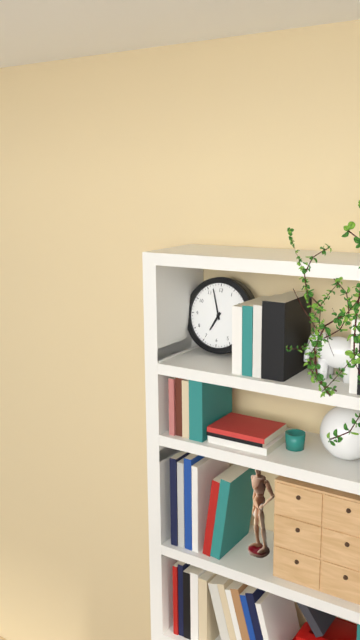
6.57
